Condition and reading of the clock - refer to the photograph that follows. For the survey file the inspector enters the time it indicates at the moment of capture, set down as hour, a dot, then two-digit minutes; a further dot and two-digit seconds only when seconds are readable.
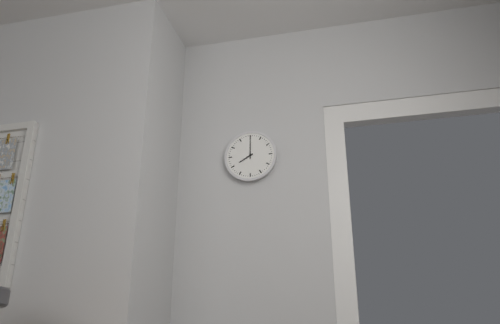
8.00
